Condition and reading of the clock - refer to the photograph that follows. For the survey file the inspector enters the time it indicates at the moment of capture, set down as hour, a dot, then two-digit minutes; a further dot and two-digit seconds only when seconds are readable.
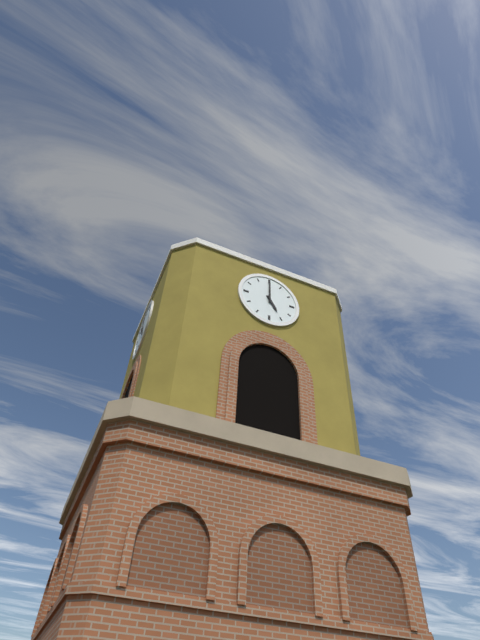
5.00
